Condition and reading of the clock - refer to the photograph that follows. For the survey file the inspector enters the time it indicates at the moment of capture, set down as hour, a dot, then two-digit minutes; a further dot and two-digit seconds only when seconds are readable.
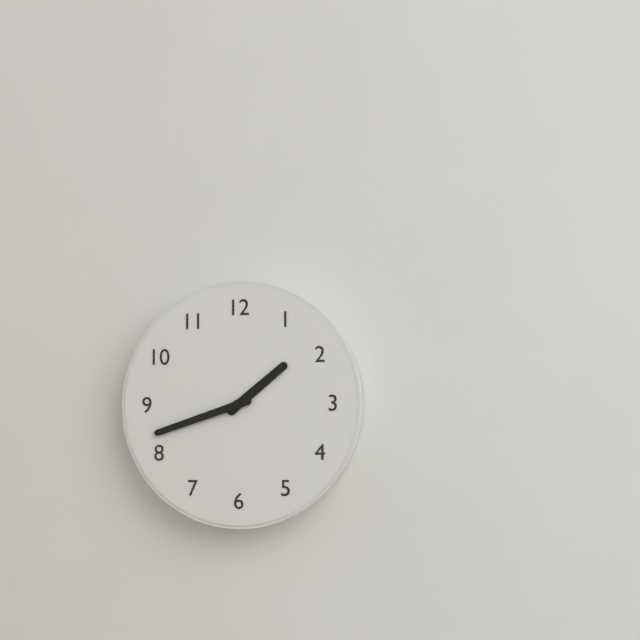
1.42
